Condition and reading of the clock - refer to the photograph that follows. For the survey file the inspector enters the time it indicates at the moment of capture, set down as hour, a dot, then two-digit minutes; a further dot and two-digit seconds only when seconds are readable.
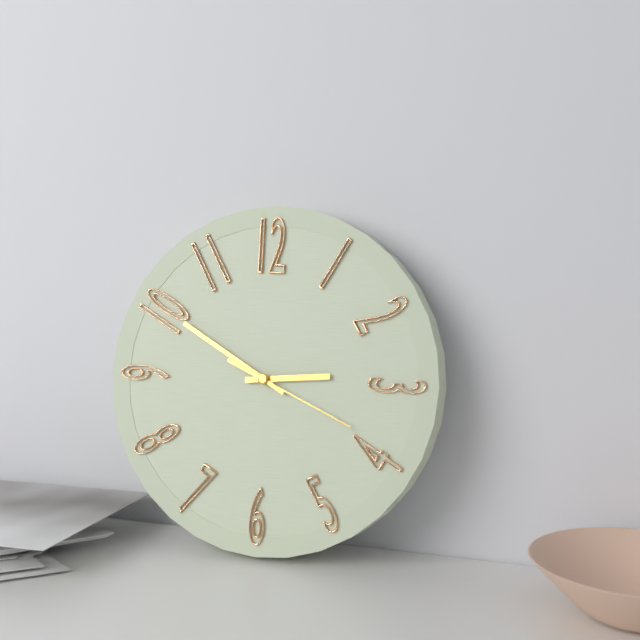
2.50.19
